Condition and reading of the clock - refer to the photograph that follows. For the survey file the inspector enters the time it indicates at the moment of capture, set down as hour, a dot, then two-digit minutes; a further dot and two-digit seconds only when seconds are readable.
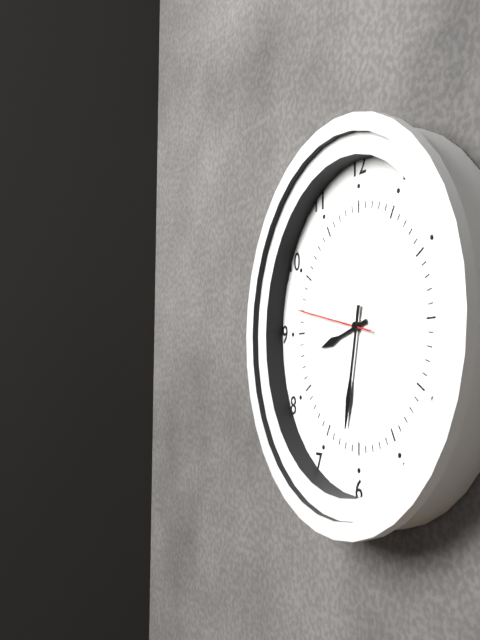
8.32.47
